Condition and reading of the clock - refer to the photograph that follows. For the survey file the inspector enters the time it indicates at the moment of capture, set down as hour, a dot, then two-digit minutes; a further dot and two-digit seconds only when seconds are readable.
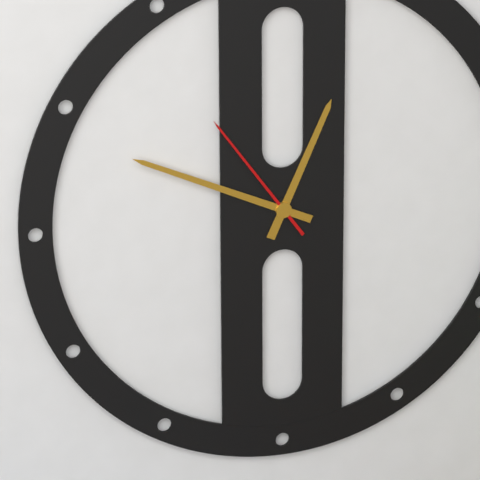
12.49.54
